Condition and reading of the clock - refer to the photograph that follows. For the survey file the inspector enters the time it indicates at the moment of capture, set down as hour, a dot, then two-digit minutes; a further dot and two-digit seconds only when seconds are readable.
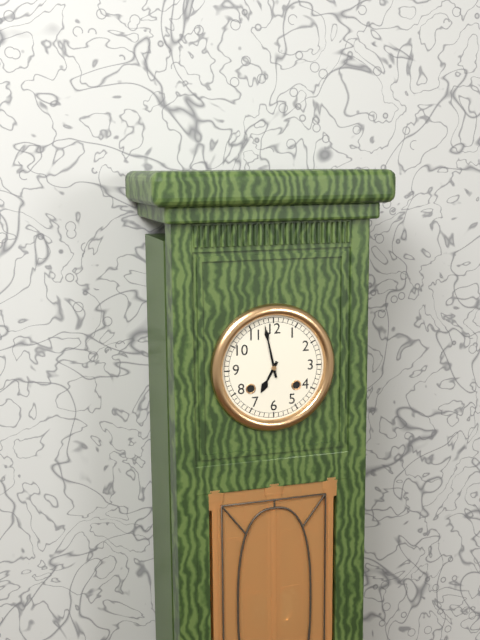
6.58
